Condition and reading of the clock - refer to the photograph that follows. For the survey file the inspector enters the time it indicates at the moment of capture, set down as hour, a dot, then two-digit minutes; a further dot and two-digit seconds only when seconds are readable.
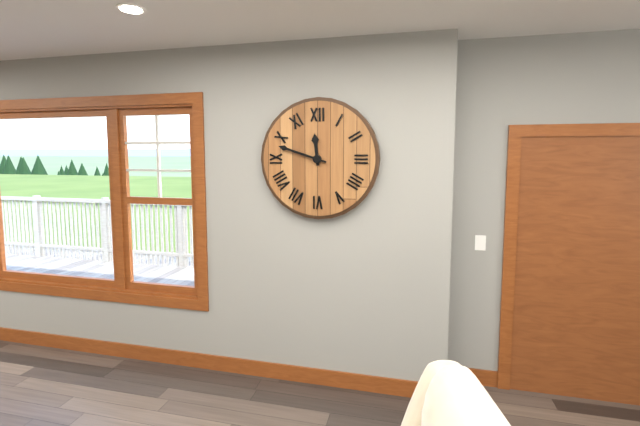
11.48
